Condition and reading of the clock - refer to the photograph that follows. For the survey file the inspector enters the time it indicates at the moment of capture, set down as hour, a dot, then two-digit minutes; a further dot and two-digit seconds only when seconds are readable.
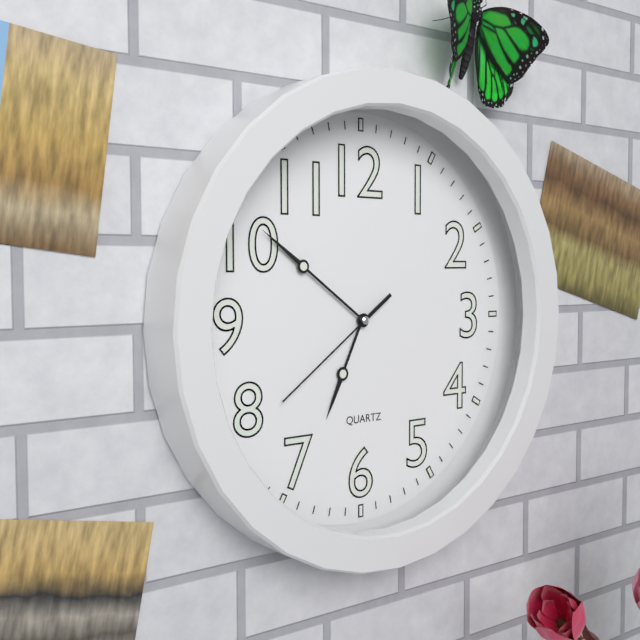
6.51.39
